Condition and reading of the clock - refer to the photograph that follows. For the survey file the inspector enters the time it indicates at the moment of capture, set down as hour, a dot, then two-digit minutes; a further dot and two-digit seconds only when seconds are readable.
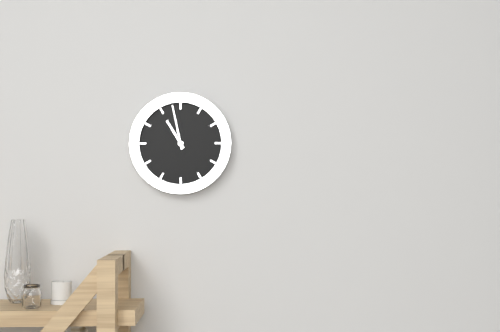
10.58
